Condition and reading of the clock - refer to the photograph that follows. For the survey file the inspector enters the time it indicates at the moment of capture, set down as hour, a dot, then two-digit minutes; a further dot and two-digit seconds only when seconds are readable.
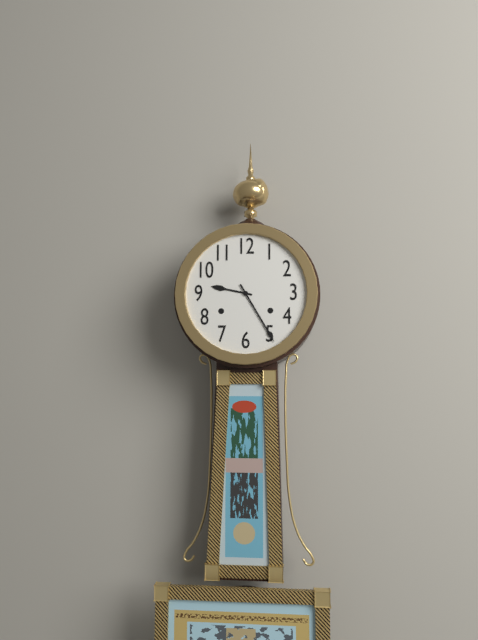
9.25
